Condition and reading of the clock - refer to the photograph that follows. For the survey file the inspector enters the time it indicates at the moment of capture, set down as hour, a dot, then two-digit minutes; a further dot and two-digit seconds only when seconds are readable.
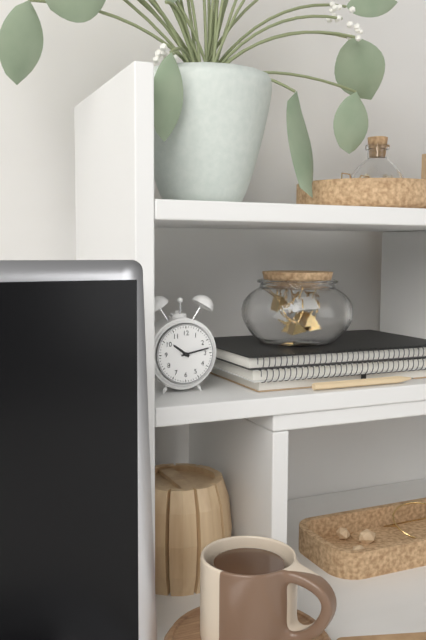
10.13
